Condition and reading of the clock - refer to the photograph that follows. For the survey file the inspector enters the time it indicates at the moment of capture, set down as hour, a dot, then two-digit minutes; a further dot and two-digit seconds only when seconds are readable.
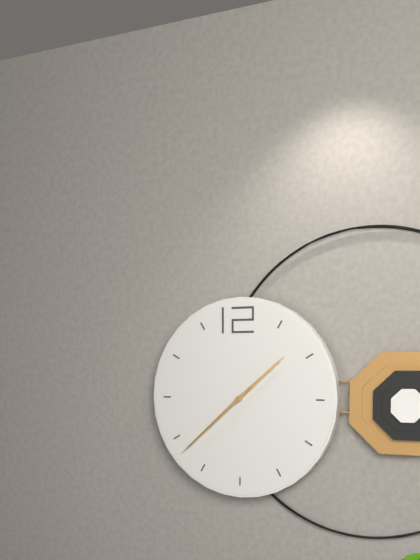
1.38
